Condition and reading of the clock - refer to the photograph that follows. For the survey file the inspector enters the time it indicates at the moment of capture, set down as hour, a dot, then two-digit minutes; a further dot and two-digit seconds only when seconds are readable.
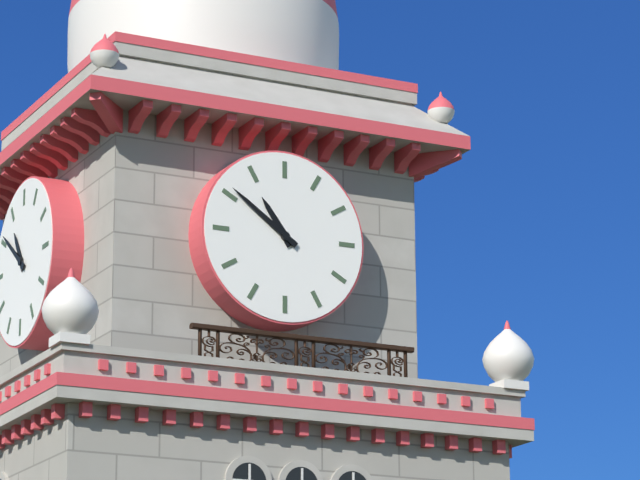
10.51
